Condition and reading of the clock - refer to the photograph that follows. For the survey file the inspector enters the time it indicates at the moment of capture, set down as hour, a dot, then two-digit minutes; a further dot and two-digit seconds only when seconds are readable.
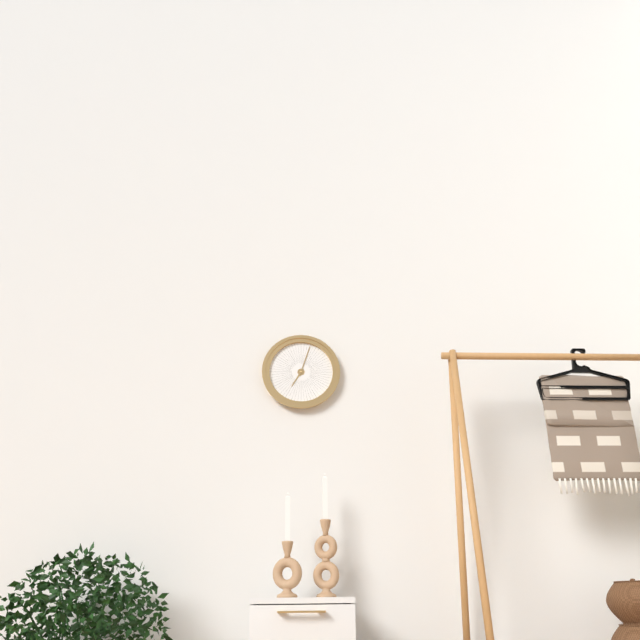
7.03
